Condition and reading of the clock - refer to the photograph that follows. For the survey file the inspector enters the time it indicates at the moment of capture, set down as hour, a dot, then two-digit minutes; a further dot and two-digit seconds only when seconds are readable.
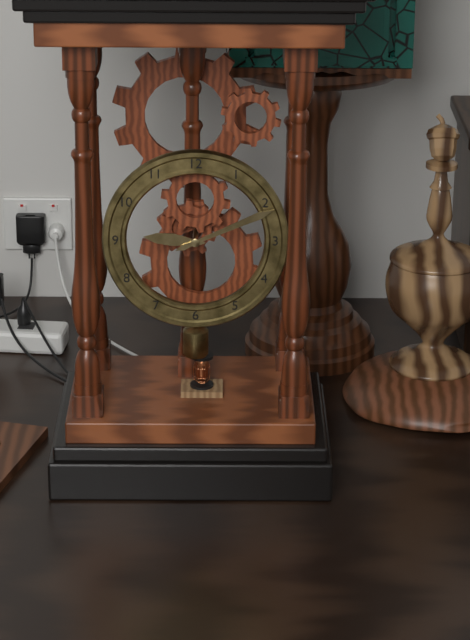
9.11
